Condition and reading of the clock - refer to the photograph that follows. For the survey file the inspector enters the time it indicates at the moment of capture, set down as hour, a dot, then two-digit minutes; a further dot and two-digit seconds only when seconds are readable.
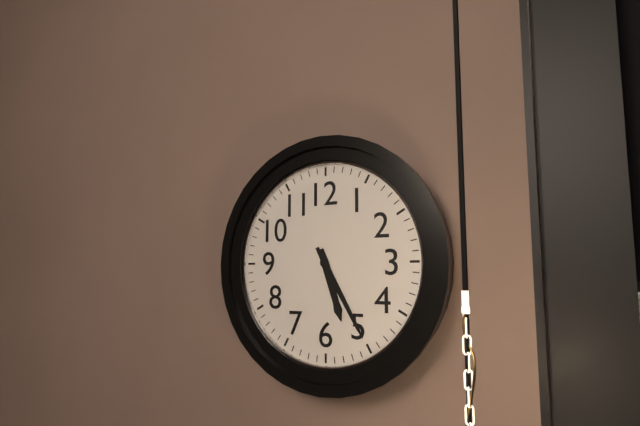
5.25
